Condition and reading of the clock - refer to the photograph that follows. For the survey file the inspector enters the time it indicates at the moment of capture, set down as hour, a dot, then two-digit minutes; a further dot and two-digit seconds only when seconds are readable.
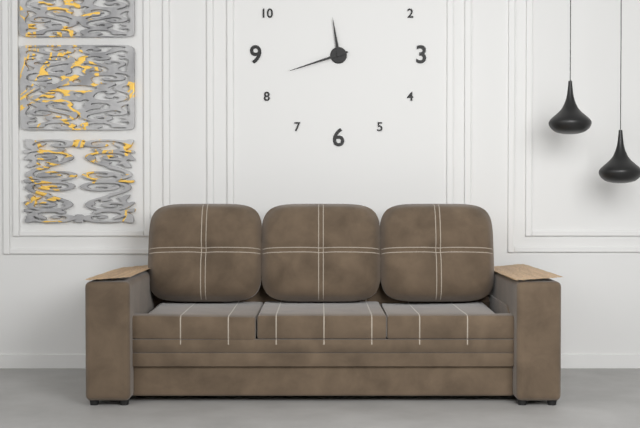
11.42
